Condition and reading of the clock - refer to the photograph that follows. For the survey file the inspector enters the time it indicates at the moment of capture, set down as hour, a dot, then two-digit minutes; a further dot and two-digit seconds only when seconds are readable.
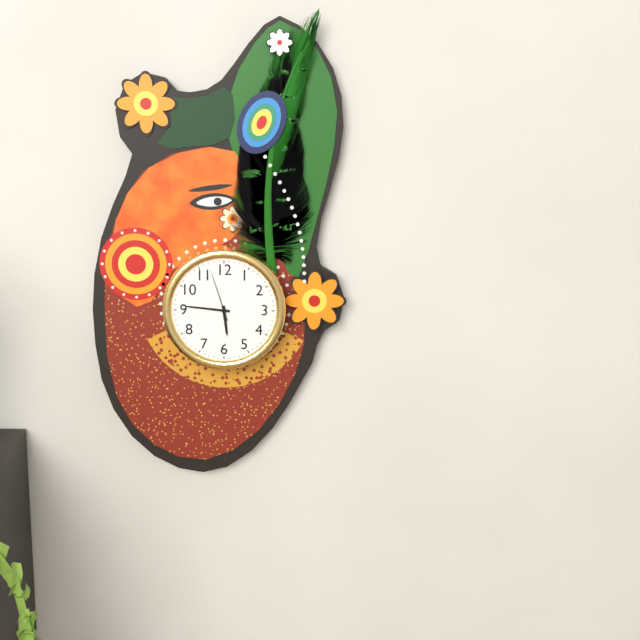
5.46.57
